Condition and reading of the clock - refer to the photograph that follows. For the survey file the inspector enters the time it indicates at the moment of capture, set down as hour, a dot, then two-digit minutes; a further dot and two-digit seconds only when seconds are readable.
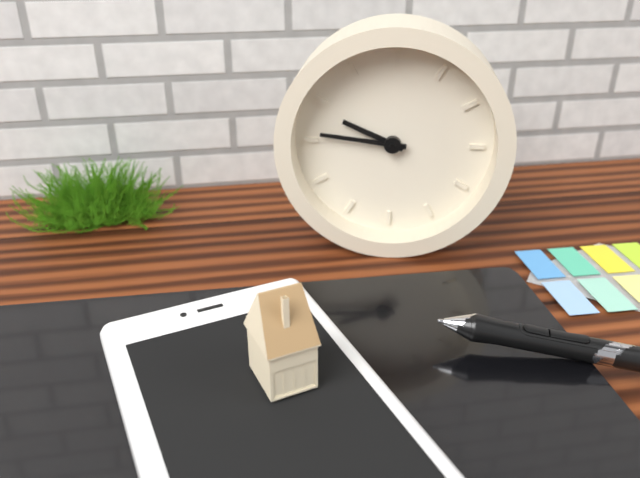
9.46
